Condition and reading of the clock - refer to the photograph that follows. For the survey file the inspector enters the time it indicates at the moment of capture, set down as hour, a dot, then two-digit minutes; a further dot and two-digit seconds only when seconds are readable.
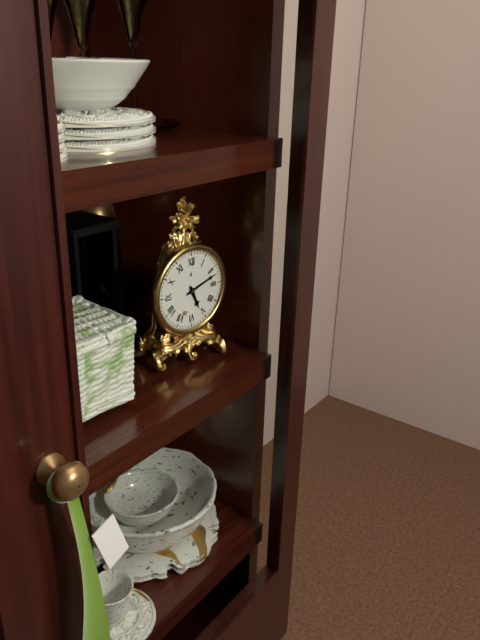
5.12
